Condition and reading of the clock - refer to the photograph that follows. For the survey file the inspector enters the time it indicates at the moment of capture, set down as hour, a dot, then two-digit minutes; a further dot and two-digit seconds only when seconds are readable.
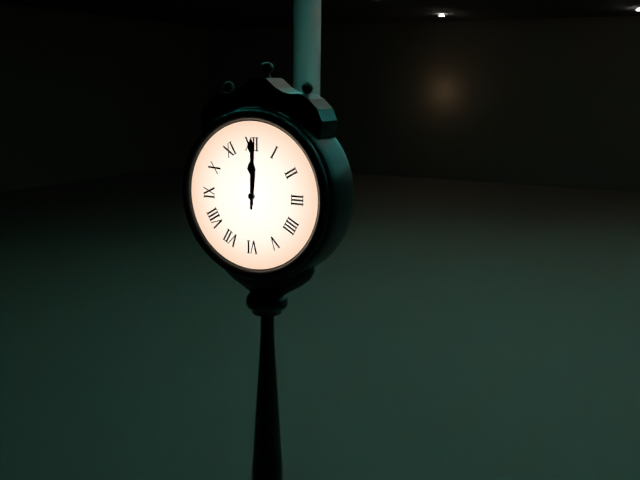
12.00
